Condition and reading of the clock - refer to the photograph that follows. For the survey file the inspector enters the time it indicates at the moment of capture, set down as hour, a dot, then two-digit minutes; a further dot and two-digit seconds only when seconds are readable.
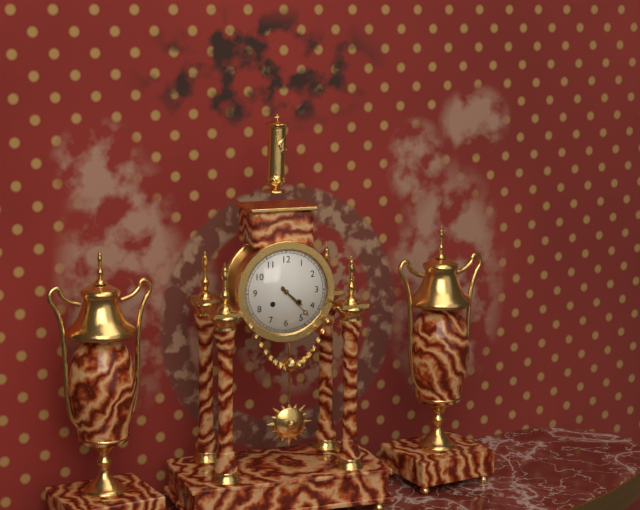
4.23
